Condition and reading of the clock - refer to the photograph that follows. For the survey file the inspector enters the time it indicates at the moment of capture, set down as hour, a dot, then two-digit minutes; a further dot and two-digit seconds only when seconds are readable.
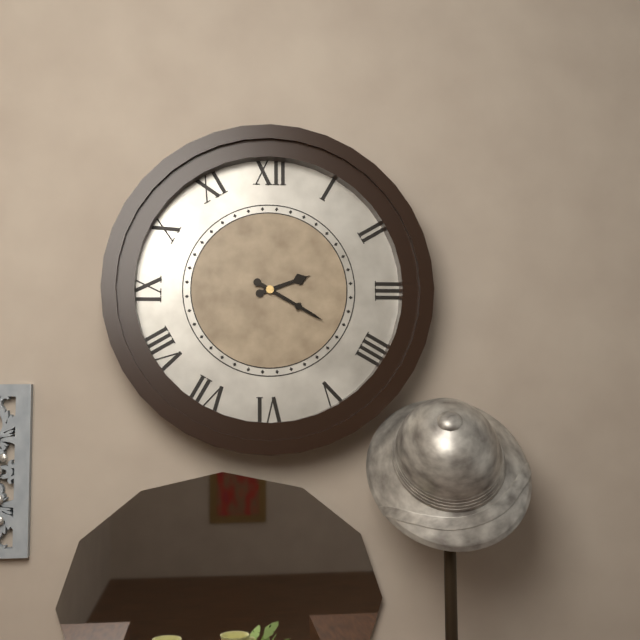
2.20
